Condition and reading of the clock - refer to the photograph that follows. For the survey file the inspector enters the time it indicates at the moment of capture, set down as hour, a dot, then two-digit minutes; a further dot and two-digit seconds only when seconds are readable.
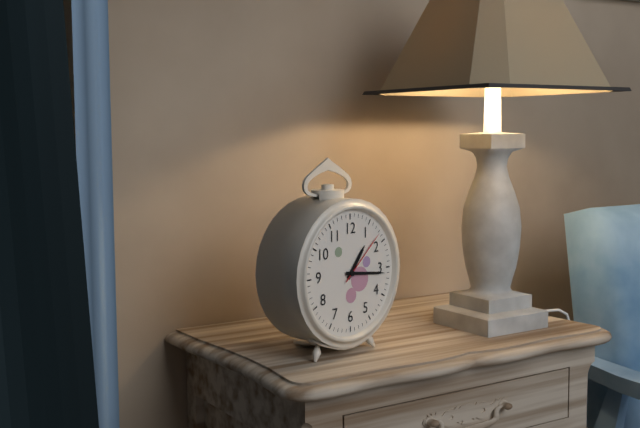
1.16.08
